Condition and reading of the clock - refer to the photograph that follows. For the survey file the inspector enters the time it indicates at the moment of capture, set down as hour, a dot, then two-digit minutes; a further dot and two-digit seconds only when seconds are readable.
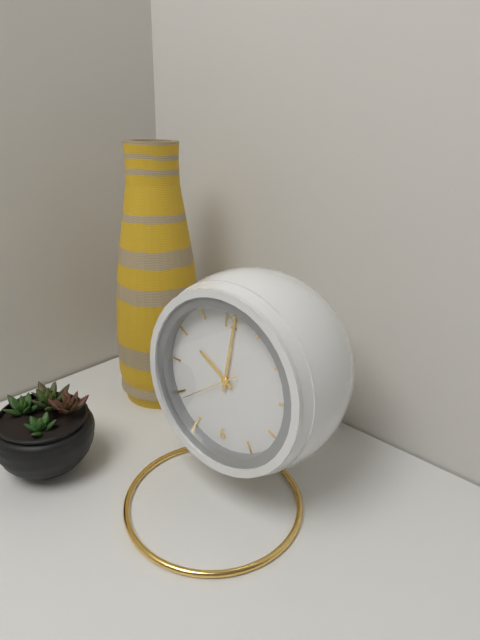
10.01
